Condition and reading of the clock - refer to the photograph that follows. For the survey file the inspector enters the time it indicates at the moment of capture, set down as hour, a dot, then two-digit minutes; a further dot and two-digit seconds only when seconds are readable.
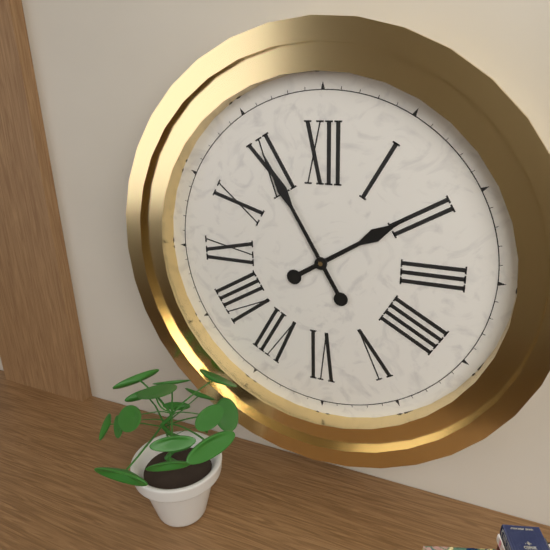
1.55
